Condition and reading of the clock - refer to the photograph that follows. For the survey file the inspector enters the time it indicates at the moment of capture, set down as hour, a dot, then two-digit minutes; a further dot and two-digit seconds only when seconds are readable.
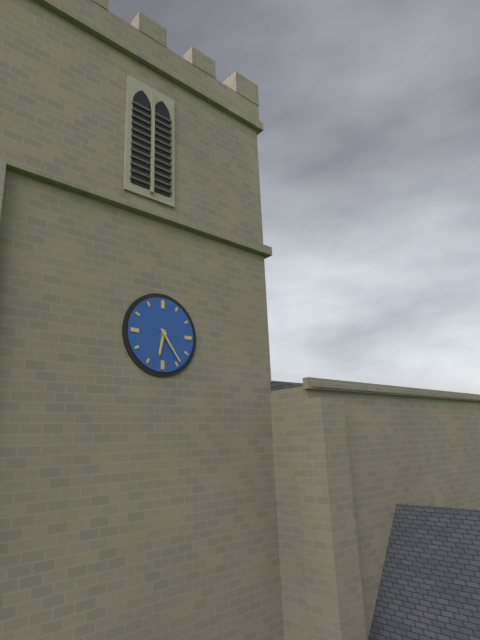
6.24
